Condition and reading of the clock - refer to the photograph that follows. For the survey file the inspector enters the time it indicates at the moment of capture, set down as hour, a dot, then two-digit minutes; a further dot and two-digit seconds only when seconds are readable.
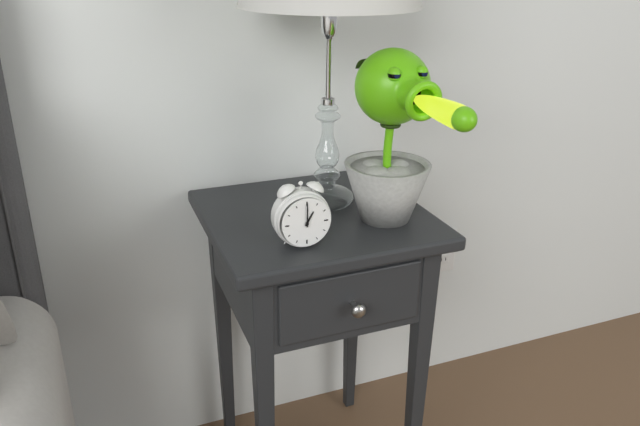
1.00
